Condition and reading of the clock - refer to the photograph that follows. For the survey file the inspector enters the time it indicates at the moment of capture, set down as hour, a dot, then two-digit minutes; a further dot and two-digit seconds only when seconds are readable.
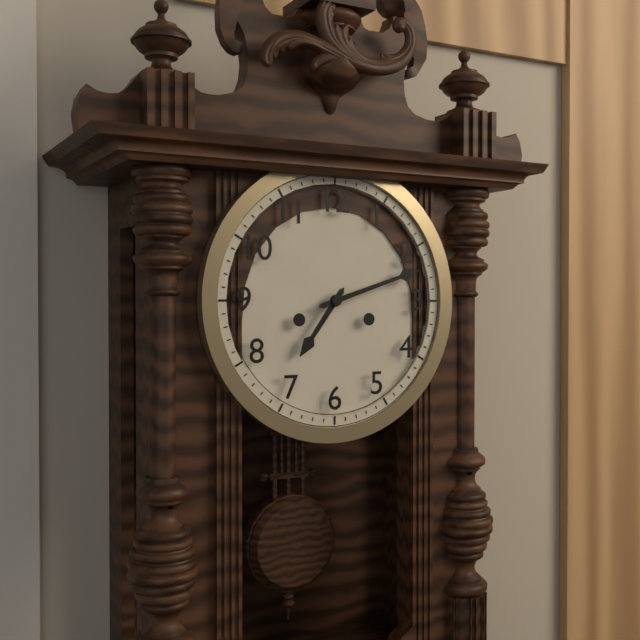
7.12
